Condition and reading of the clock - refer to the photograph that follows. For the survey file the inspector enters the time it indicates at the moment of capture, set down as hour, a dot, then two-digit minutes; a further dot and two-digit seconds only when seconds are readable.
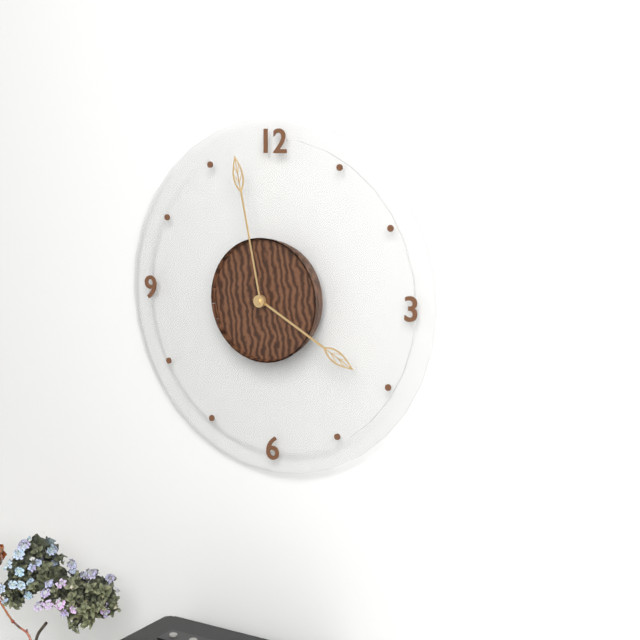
3.58
